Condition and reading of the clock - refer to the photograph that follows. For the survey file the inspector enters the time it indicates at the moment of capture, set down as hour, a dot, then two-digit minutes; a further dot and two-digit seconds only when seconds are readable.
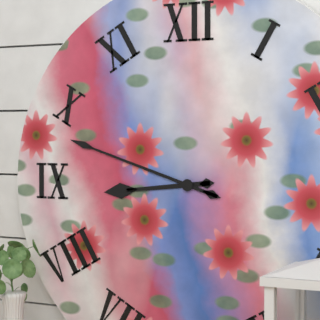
8.48
